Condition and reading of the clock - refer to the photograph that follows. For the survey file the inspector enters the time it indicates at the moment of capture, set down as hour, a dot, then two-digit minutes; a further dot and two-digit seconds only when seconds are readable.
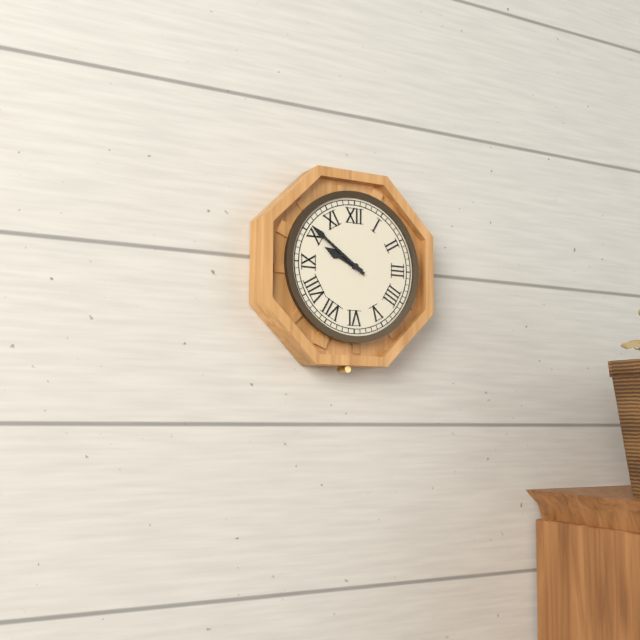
9.51
